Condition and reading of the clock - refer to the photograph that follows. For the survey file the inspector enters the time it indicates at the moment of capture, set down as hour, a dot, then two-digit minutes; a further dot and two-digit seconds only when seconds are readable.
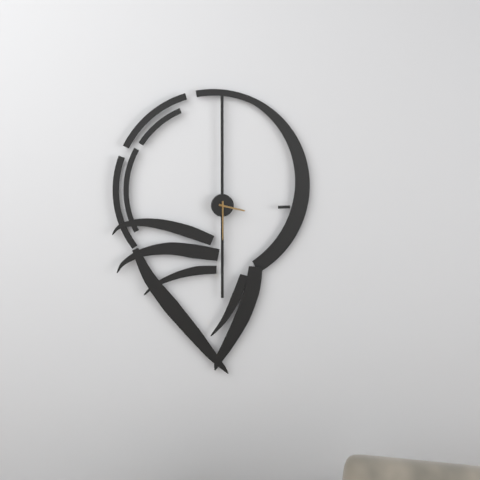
3.30
